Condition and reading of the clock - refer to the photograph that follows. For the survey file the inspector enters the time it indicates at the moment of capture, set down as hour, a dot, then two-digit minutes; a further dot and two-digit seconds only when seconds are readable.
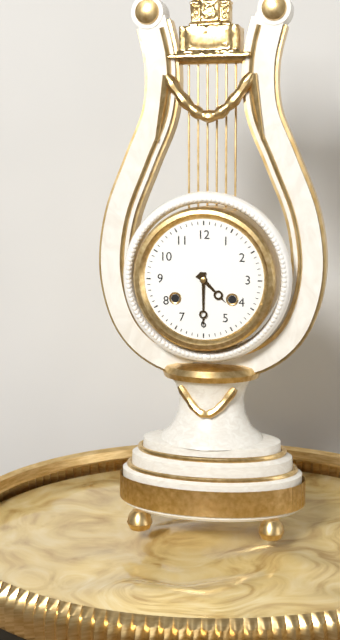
4.30
